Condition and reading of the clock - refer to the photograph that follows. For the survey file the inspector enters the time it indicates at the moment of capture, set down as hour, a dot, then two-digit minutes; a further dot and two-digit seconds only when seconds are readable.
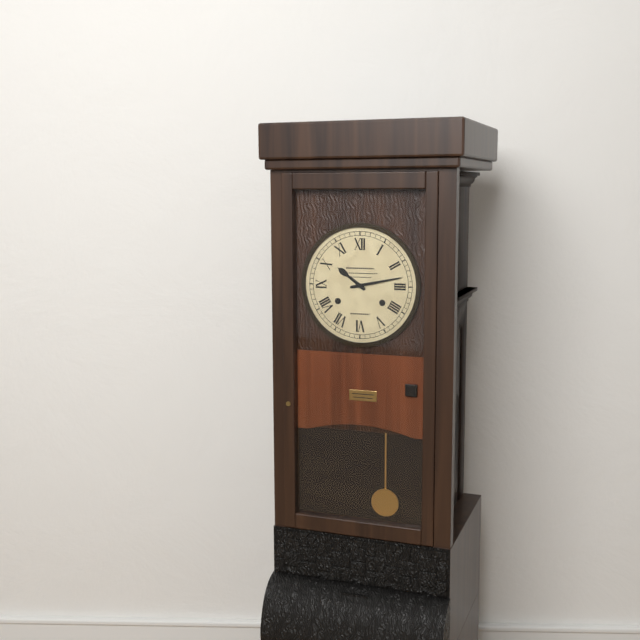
10.13
